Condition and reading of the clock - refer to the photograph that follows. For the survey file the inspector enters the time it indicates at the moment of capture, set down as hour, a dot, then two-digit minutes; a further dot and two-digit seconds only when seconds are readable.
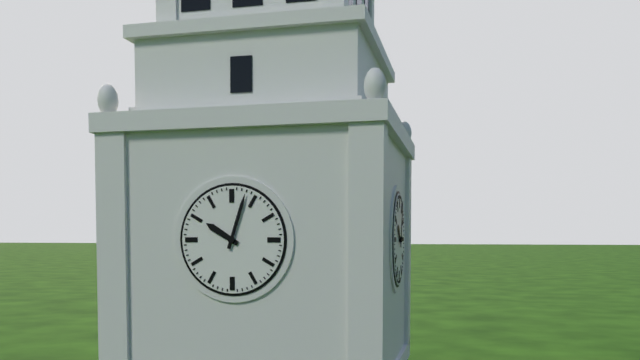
10.03
